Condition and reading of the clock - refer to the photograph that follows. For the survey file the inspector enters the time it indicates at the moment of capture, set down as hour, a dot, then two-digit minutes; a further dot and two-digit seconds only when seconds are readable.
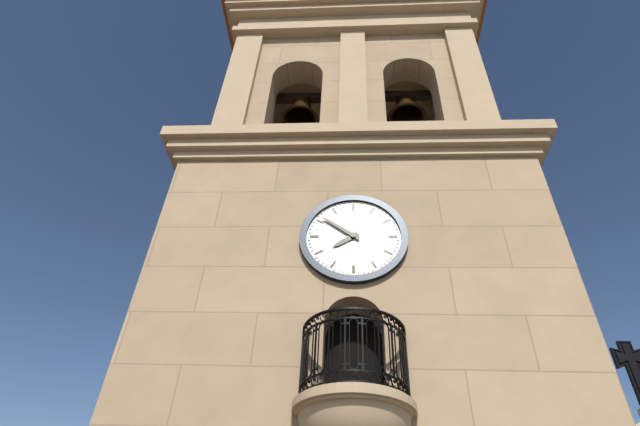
7.51
